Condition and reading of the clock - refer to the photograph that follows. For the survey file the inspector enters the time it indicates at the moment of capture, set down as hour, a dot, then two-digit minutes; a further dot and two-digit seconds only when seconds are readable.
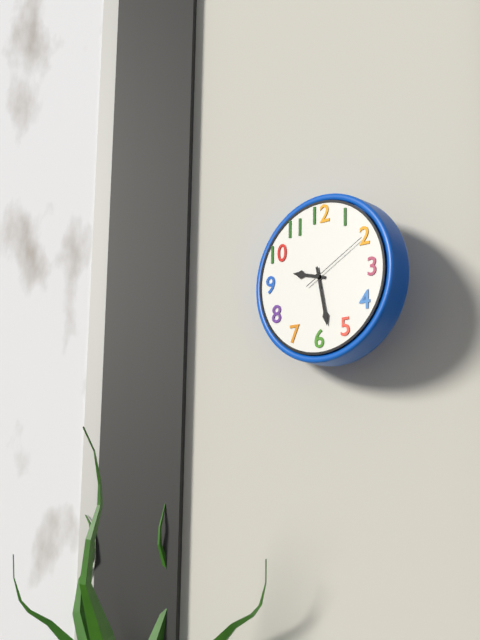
9.28.10
